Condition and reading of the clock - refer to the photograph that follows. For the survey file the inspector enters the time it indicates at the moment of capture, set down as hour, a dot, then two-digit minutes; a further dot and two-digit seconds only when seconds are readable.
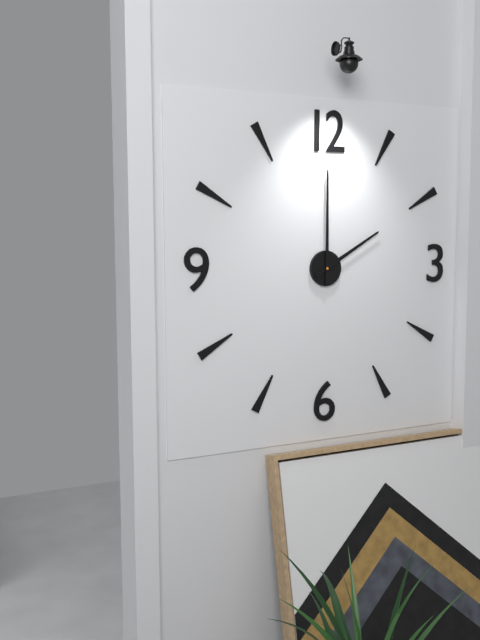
2.00
